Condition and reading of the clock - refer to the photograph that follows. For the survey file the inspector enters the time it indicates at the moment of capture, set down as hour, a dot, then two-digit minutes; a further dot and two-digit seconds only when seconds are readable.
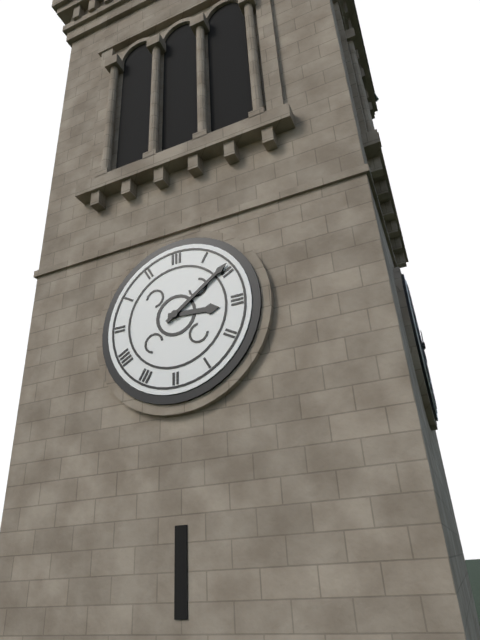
3.09
